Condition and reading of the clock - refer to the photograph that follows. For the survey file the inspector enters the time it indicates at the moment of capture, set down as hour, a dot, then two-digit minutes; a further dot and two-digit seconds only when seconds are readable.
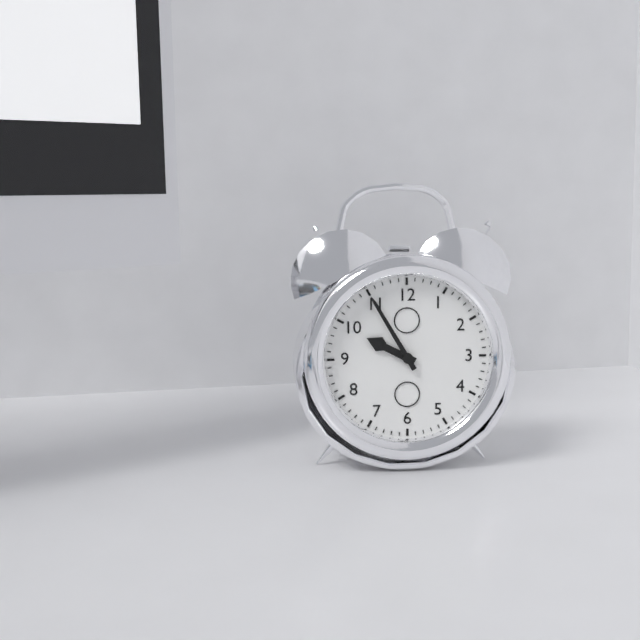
9.55
